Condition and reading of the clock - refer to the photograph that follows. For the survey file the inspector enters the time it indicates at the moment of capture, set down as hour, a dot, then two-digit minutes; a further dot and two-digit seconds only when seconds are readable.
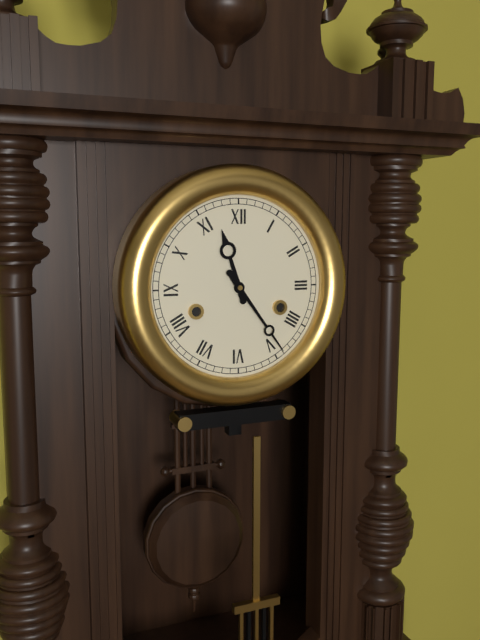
11.24
